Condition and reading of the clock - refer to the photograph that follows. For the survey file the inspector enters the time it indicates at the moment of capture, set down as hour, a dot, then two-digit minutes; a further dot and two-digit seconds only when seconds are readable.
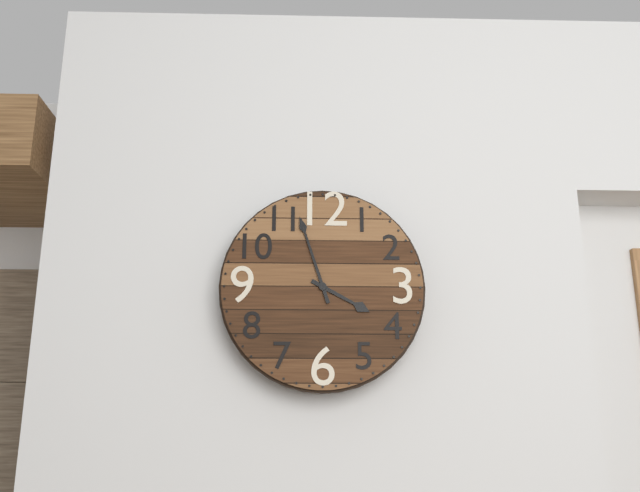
3.57
